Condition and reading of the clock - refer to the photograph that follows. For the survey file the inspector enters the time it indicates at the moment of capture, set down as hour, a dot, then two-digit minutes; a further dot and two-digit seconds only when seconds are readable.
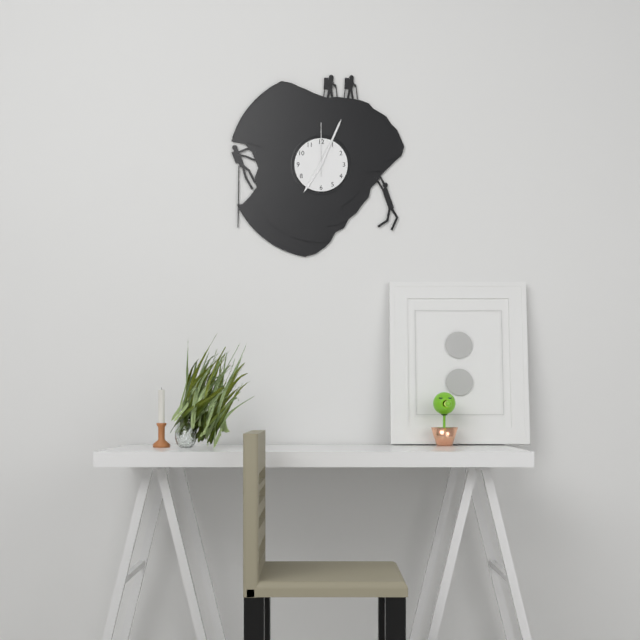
7.04.00
